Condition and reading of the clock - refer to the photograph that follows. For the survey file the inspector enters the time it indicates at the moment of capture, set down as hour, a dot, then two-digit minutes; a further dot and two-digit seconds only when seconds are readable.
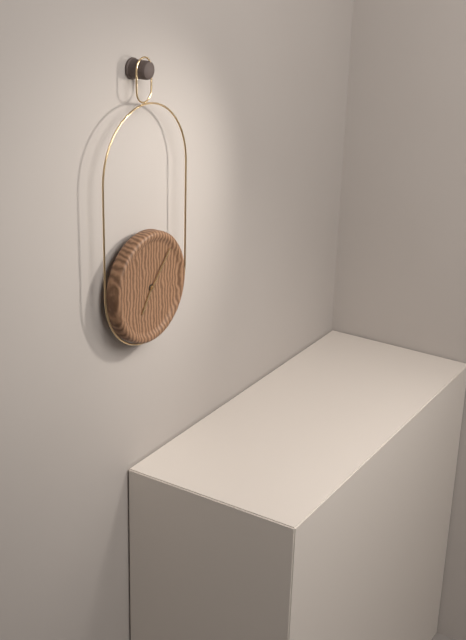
7.07
